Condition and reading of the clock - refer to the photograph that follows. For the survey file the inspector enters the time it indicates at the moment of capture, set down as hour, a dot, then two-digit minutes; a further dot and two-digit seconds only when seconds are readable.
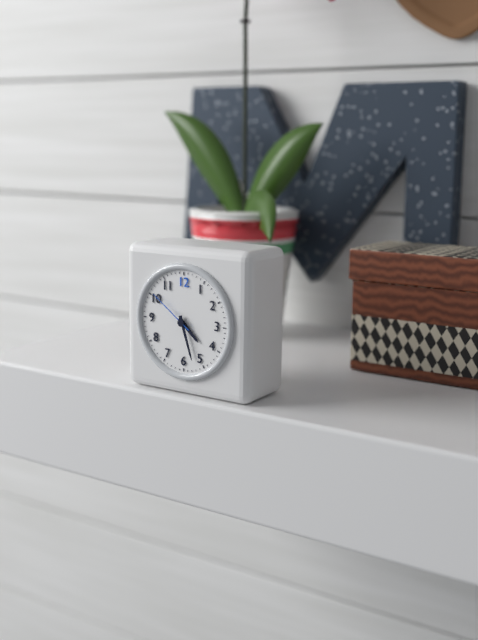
4.27
